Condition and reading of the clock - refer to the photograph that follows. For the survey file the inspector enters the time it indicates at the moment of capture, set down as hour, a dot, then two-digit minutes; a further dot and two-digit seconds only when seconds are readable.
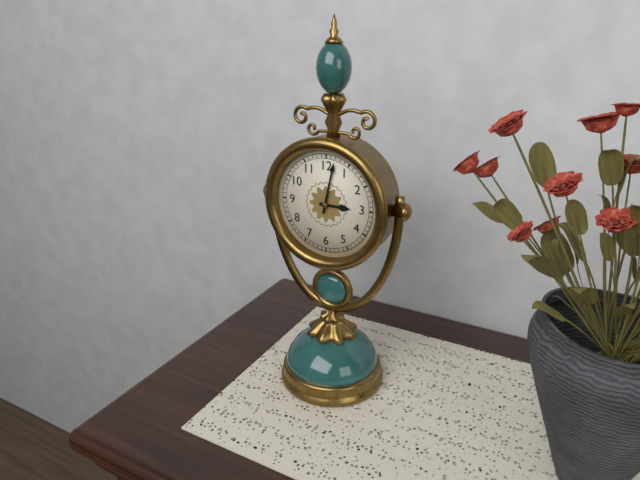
3.02
